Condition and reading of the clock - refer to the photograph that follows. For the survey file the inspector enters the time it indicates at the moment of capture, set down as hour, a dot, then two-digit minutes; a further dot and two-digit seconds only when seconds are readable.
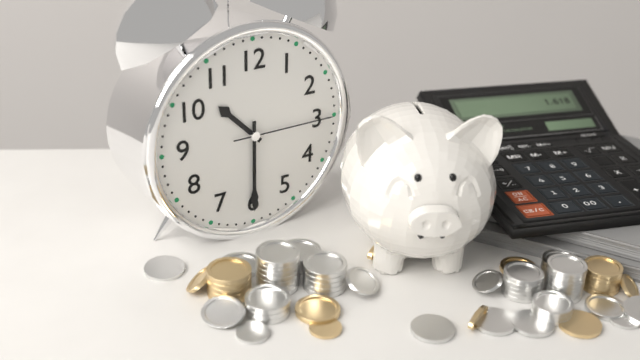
10.30.15
